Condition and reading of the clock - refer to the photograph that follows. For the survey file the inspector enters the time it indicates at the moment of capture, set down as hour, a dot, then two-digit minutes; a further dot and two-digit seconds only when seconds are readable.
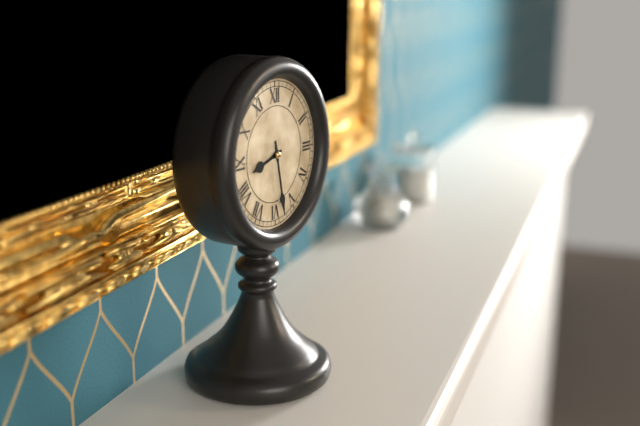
8.28
